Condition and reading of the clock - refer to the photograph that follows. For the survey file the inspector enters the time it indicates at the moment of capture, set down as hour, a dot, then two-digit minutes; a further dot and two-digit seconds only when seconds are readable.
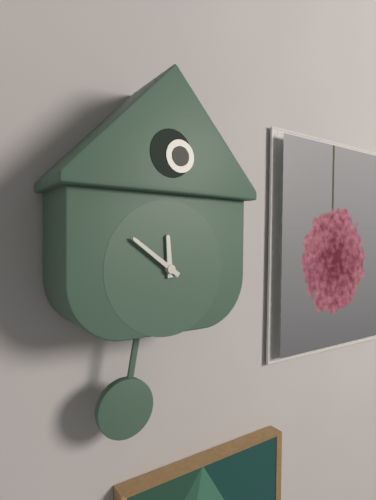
11.51
